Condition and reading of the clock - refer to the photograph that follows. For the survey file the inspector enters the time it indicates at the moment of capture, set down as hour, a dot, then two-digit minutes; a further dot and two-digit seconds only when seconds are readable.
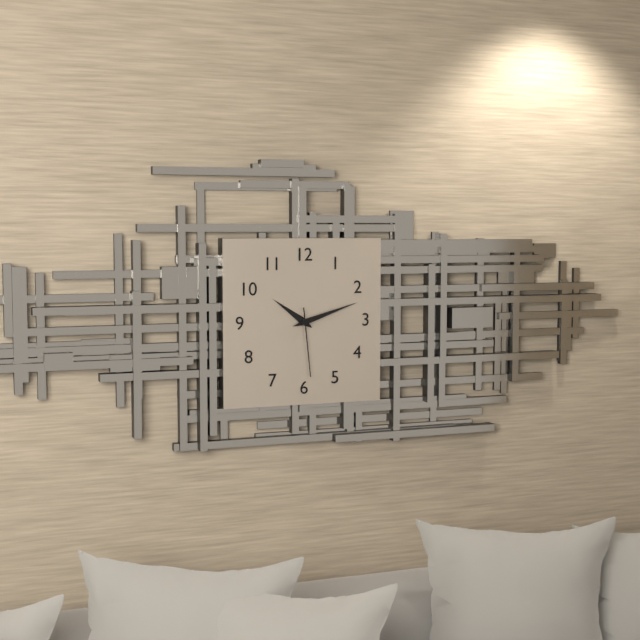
10.12.29
